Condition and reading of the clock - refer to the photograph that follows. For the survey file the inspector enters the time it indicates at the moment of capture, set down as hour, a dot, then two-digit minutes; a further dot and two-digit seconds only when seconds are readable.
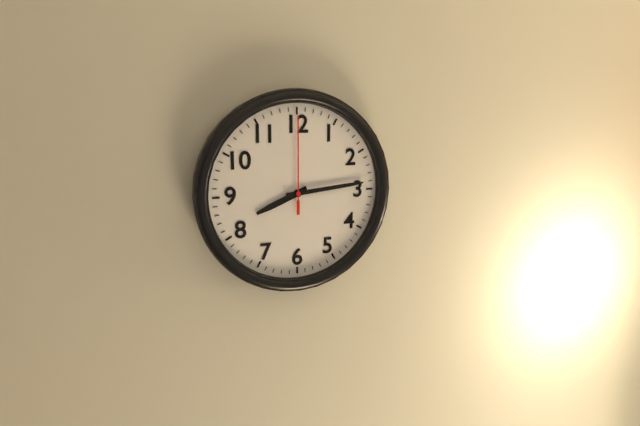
8.14.00
